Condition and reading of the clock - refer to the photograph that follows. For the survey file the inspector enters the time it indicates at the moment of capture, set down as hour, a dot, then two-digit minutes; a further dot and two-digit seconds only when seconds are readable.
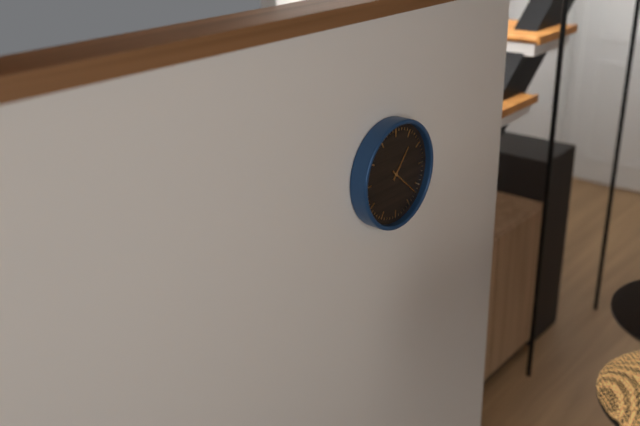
1.22
